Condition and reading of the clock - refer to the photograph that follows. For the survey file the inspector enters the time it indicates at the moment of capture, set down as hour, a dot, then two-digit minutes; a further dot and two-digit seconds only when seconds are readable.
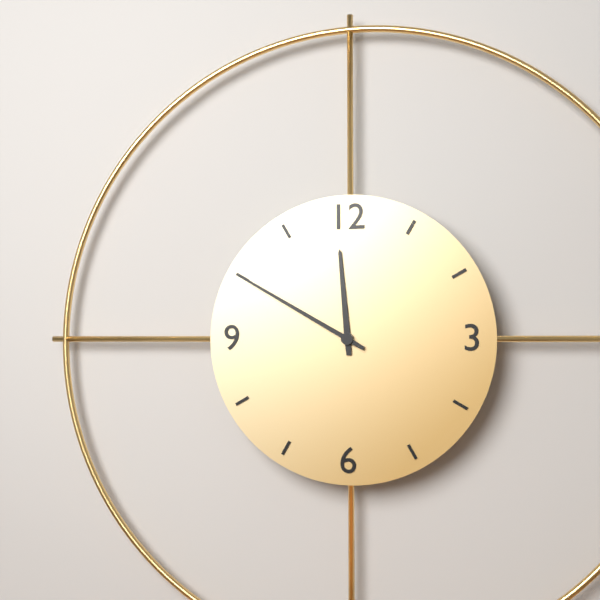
11.50
